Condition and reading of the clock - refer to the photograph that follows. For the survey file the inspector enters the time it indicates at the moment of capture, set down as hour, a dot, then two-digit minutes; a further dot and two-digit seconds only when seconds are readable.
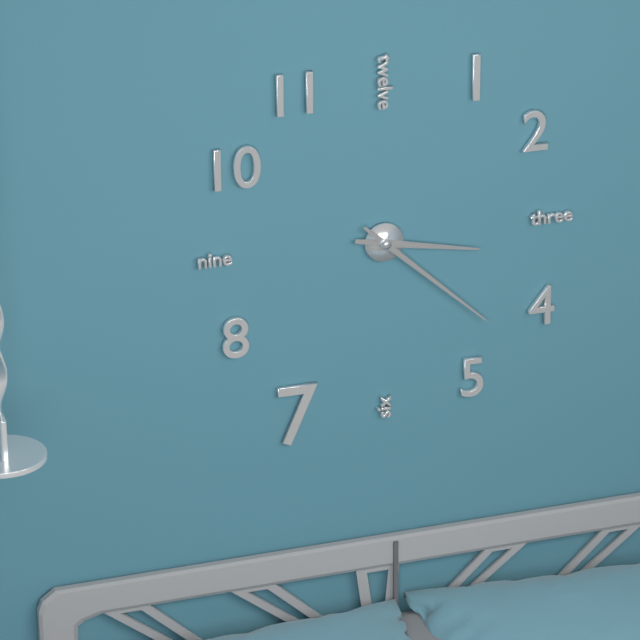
3.22
